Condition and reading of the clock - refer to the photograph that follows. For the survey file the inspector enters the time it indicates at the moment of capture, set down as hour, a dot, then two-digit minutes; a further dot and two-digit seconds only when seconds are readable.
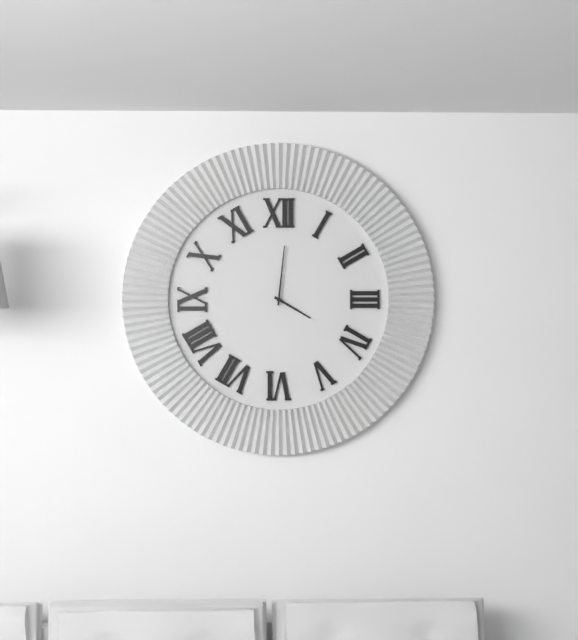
4.01
